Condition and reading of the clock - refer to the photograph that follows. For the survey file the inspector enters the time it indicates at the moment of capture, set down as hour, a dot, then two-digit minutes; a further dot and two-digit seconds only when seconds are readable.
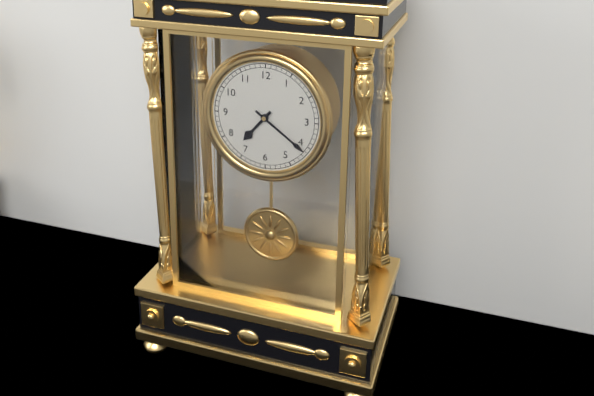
7.21
